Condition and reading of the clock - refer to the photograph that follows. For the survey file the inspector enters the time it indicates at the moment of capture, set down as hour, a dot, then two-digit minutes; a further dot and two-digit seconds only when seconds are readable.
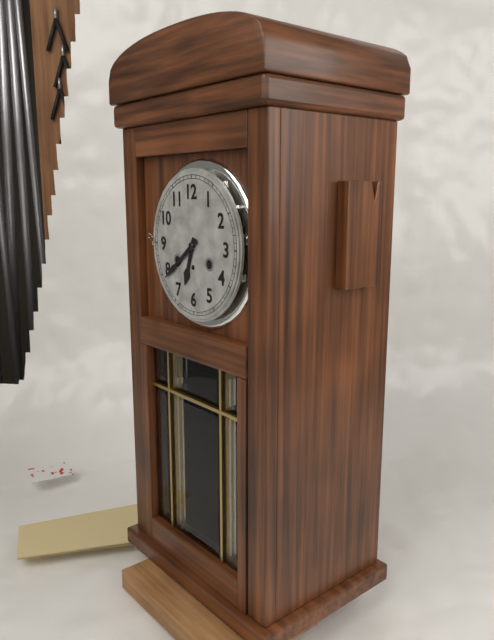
6.39
